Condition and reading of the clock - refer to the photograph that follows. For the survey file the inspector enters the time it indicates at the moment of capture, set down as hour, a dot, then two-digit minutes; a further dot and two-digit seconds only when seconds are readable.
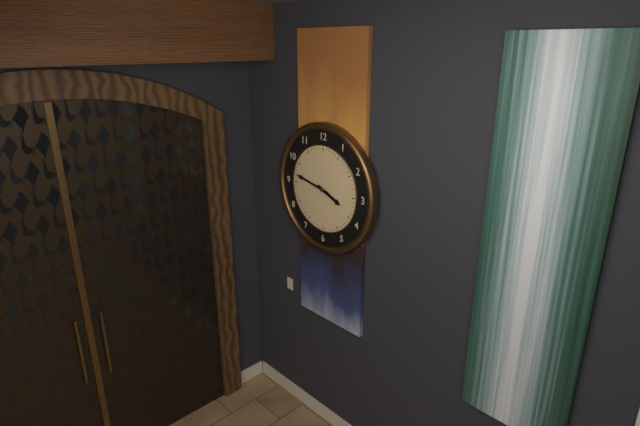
3.47
